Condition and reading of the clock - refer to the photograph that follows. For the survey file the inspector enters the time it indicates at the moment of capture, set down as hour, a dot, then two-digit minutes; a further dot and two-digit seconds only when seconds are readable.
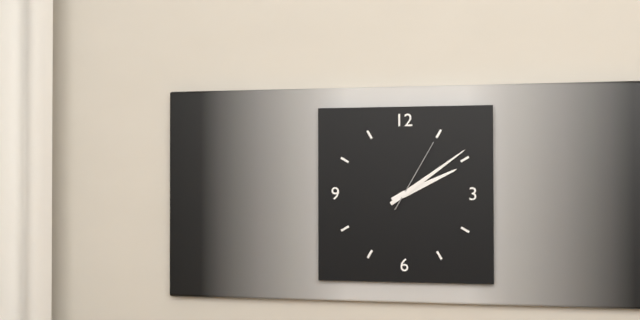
2.09.05
